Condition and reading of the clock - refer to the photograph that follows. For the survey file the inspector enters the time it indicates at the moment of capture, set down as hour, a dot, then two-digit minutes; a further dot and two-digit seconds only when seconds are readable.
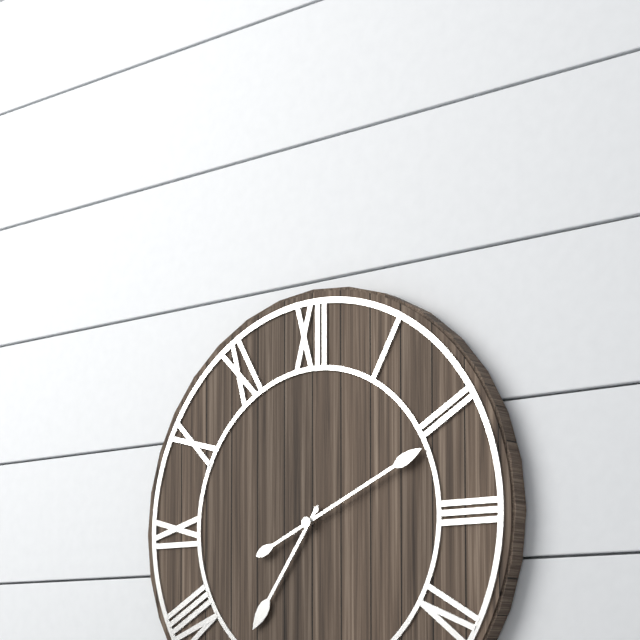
7.11
